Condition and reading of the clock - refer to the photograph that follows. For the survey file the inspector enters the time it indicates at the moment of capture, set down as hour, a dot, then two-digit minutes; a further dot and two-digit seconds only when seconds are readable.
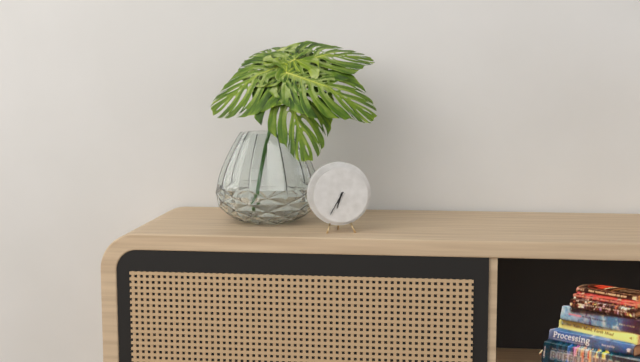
6.35
